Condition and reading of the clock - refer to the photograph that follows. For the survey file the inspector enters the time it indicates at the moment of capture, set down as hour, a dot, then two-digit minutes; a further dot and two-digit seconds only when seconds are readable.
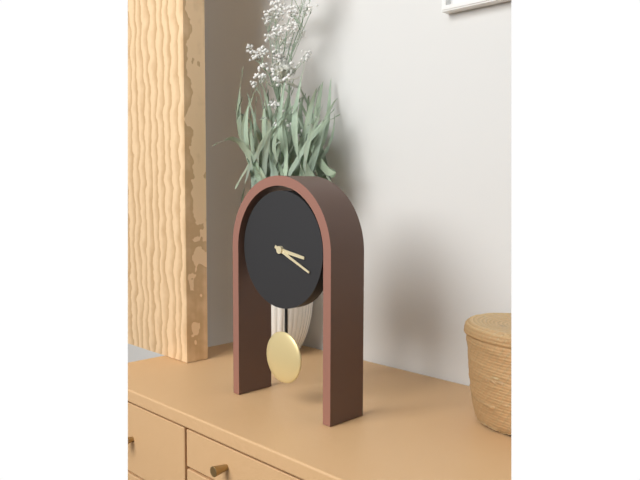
3.19
